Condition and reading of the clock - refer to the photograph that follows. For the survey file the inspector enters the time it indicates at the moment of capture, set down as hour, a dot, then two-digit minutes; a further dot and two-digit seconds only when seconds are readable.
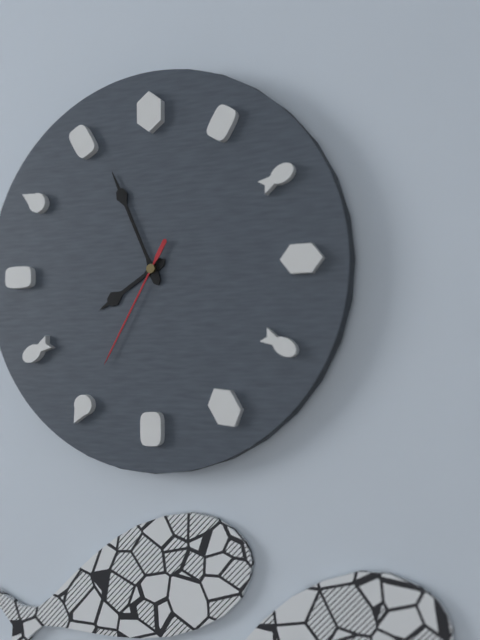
7.56.35
